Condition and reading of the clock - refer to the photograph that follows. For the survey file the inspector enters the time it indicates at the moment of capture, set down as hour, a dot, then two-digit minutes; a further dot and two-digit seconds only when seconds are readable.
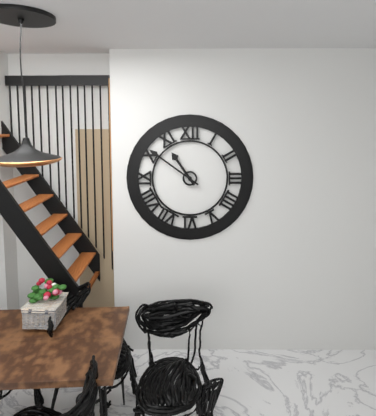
10.51
